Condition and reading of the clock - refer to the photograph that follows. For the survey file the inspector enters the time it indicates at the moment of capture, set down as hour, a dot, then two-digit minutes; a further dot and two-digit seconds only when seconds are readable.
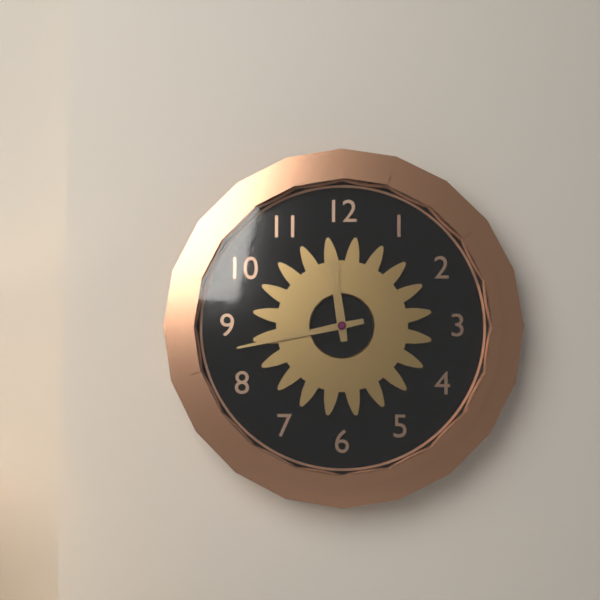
11.43
